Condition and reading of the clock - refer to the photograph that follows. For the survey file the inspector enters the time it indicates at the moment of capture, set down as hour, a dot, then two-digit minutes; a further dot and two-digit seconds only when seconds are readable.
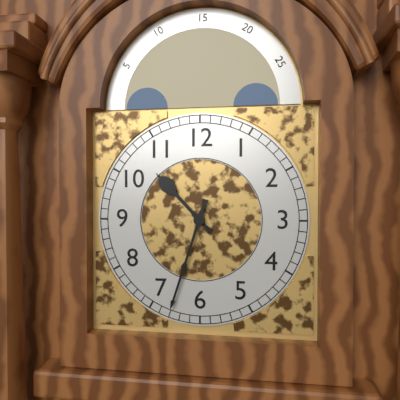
10.33
